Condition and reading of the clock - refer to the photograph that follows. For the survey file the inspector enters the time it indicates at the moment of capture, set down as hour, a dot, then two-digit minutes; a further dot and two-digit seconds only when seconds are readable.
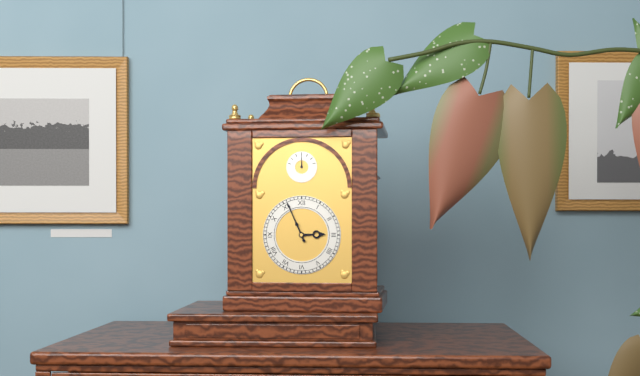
2.56
